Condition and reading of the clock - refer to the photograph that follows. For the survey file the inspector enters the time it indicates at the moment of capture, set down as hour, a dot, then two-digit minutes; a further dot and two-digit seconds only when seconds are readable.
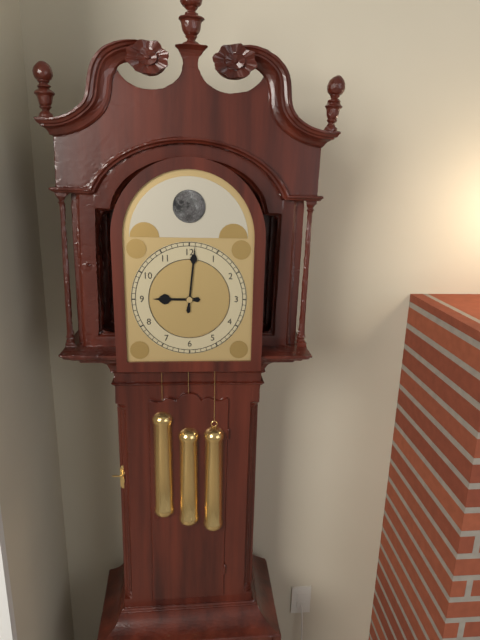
9.01
